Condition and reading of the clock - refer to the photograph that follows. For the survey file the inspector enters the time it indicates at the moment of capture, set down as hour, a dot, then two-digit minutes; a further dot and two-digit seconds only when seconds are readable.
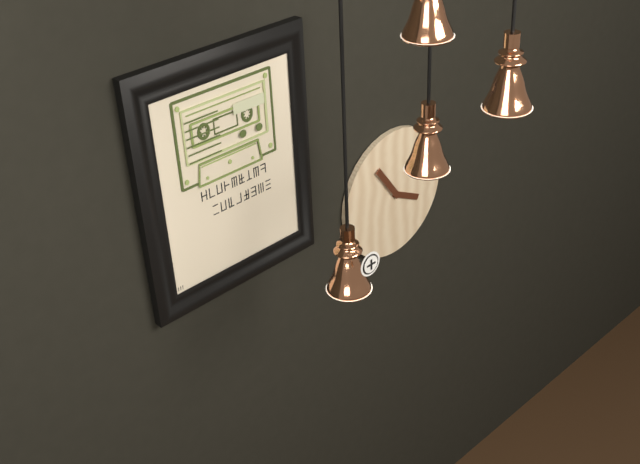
3.54
